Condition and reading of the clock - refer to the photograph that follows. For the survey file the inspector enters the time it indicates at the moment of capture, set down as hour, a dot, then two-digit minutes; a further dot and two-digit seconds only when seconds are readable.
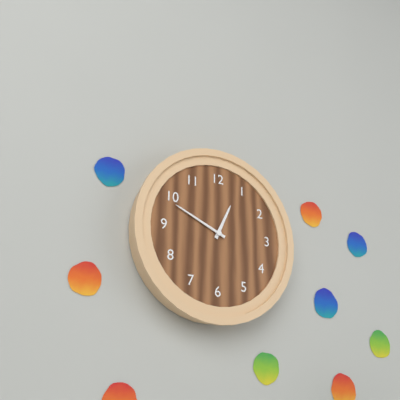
12.49
